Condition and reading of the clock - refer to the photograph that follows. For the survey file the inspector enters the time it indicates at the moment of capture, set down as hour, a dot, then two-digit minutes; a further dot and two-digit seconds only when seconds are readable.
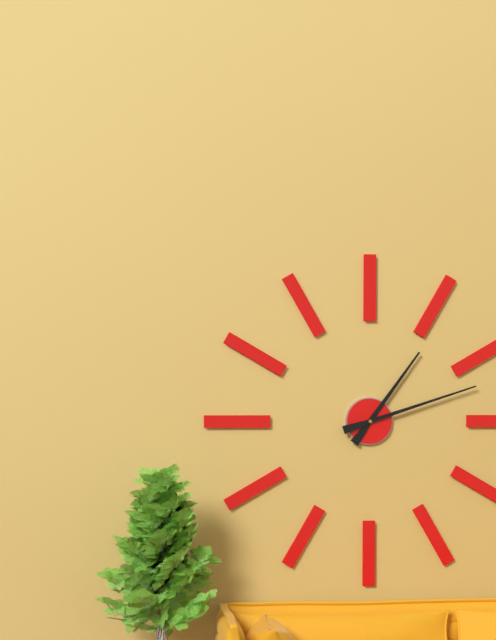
1.12
